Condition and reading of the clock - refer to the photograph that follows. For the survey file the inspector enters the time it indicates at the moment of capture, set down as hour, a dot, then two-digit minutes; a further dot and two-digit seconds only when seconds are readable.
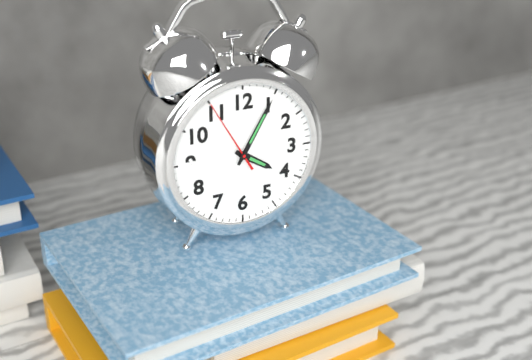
4.05.55
